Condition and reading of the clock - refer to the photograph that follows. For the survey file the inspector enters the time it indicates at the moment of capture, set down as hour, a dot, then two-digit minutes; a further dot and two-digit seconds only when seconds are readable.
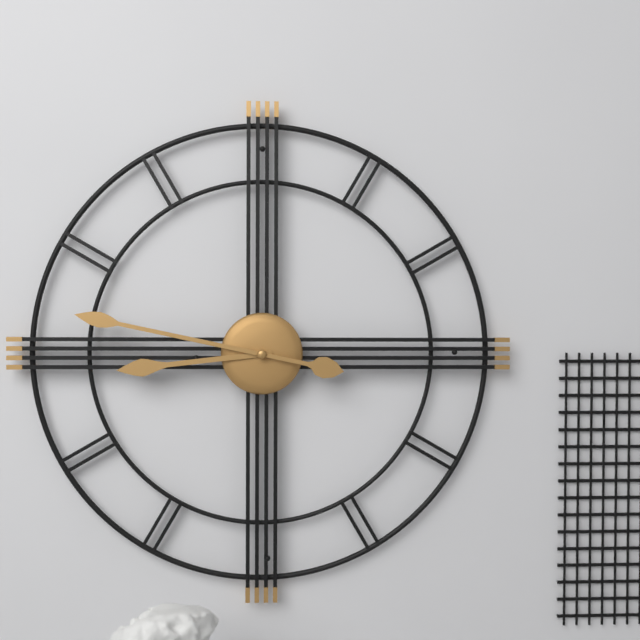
8.47
